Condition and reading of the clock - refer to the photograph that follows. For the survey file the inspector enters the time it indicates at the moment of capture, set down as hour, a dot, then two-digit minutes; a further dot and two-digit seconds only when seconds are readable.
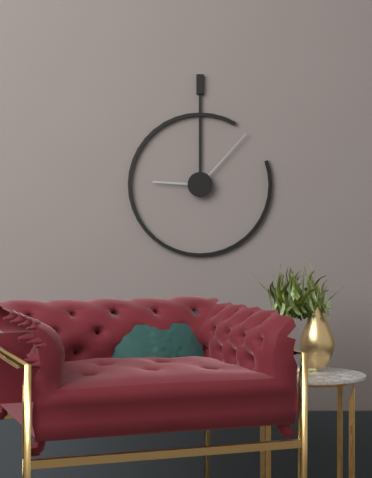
9.07
